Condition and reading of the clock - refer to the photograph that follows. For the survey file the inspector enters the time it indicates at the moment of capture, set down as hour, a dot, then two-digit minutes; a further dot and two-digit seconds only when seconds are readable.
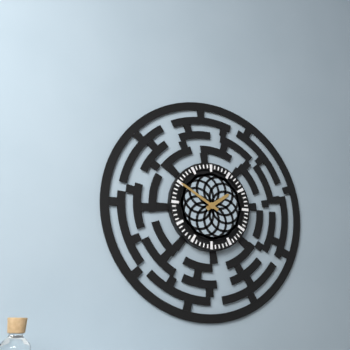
1.50
